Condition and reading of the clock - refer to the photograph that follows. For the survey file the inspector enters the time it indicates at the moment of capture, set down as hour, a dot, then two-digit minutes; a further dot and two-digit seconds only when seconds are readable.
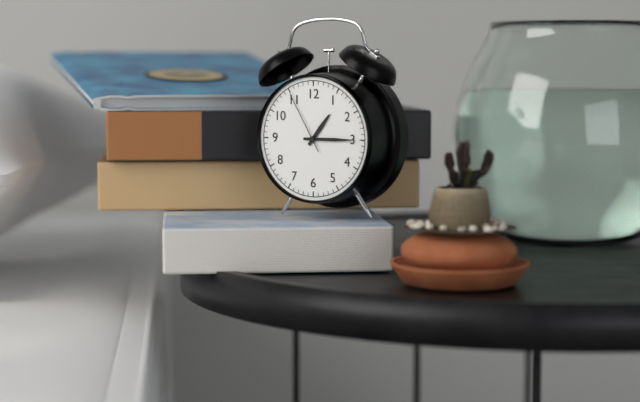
1.15.55
